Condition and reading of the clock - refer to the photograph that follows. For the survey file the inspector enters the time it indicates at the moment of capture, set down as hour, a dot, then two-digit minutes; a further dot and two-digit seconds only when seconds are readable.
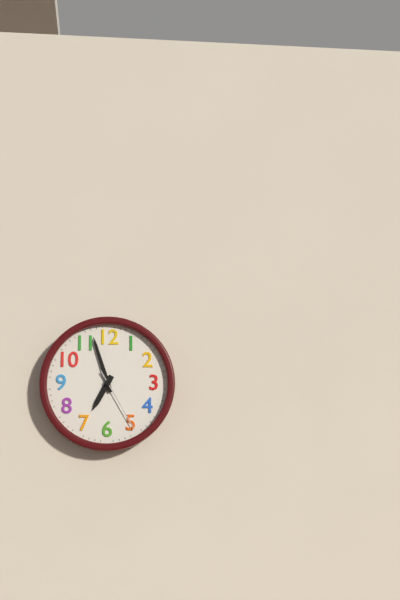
6.57.25
